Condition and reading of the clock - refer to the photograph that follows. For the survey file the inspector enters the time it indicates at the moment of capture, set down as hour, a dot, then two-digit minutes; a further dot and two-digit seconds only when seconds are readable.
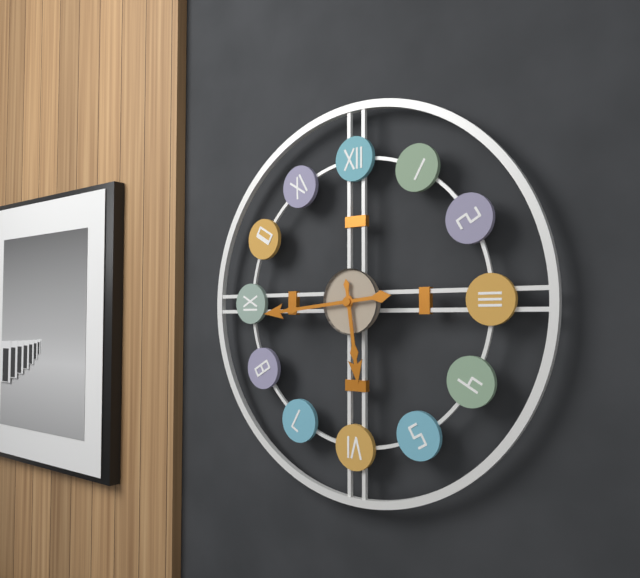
5.44
